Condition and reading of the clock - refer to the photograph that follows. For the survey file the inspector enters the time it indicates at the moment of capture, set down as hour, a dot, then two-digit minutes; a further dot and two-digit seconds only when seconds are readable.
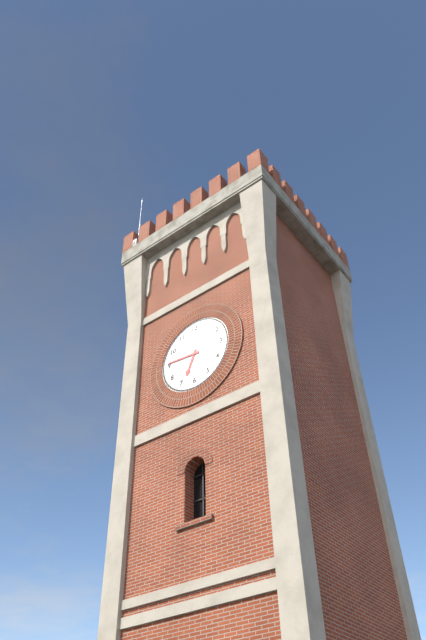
6.46
